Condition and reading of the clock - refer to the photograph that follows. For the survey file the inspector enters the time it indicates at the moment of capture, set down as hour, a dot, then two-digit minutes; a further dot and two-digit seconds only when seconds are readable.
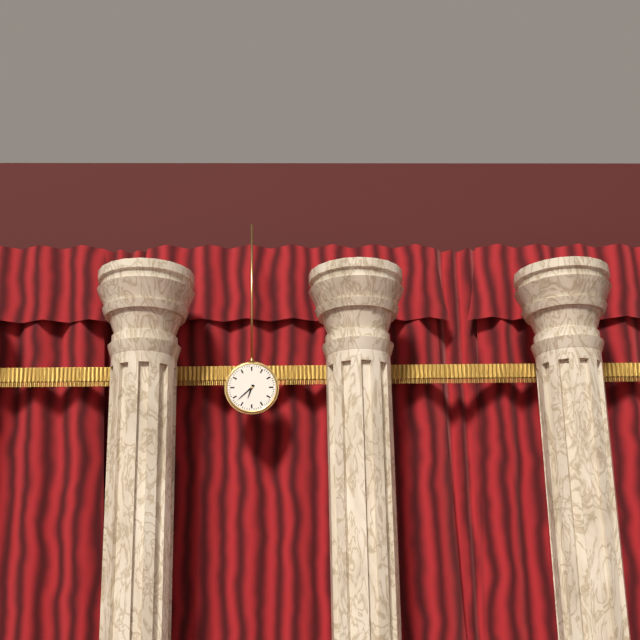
6.38
